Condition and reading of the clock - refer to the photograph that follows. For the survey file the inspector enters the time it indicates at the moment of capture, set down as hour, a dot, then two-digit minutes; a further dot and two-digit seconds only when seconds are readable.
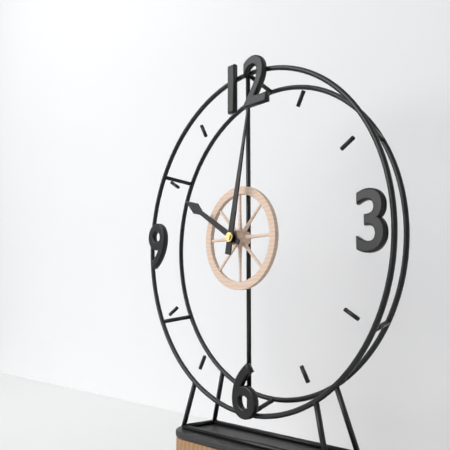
10.02
